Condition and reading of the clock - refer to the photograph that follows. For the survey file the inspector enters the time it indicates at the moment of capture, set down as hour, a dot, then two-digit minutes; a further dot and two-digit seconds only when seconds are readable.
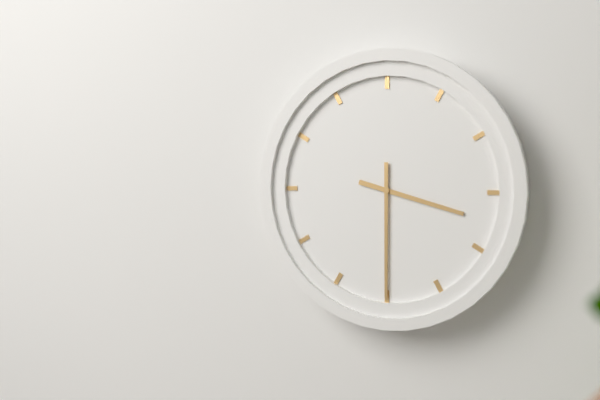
3.30
